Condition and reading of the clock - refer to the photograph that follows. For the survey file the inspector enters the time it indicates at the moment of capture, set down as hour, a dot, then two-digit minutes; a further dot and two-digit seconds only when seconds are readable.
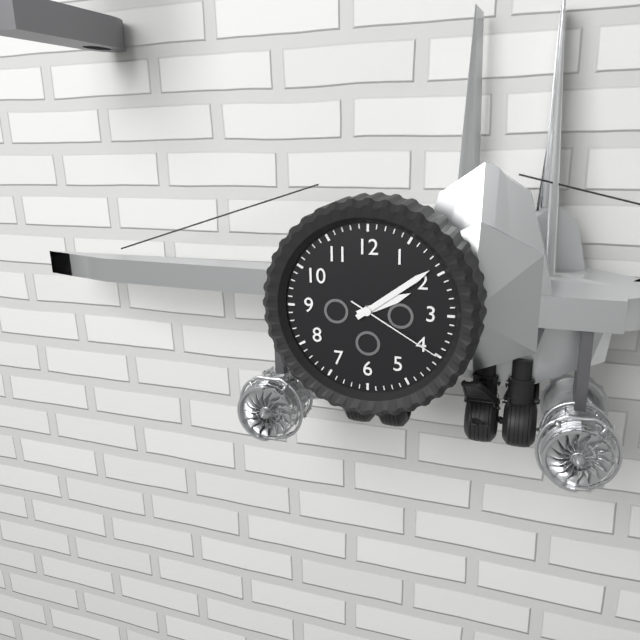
2.09.20
